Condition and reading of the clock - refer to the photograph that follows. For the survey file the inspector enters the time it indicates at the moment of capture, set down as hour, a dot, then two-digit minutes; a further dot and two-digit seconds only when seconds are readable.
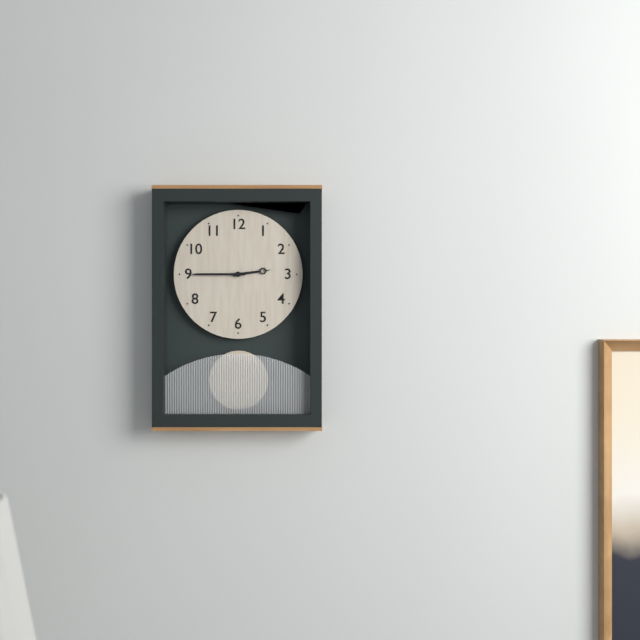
2.45
